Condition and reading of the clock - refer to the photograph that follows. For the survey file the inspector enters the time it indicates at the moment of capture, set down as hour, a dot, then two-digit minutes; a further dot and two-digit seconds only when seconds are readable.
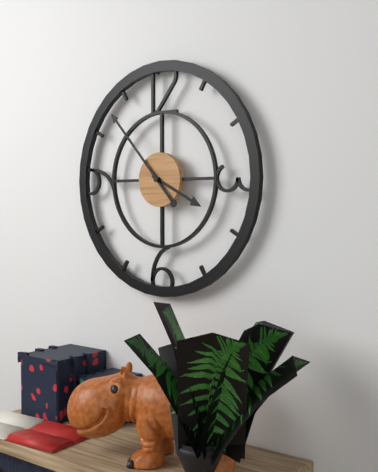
3.53
